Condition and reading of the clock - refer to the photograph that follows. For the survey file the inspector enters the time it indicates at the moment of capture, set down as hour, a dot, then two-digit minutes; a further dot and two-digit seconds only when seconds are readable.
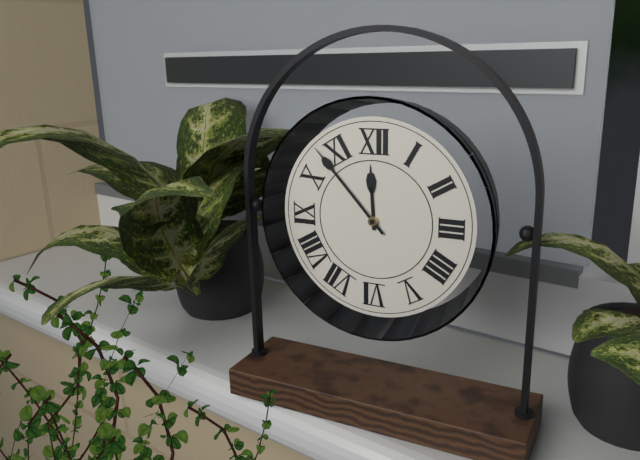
11.53
